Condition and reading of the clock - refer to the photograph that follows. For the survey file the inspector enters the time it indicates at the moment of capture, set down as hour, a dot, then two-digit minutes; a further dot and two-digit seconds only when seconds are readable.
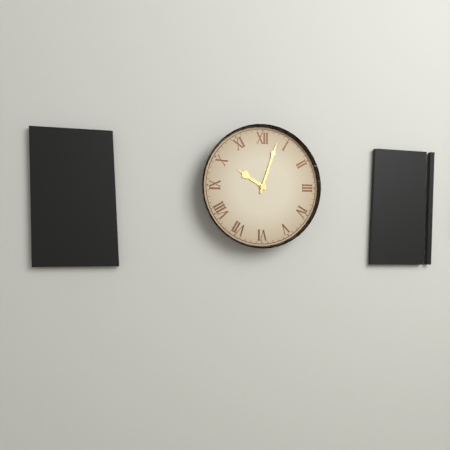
10.03
